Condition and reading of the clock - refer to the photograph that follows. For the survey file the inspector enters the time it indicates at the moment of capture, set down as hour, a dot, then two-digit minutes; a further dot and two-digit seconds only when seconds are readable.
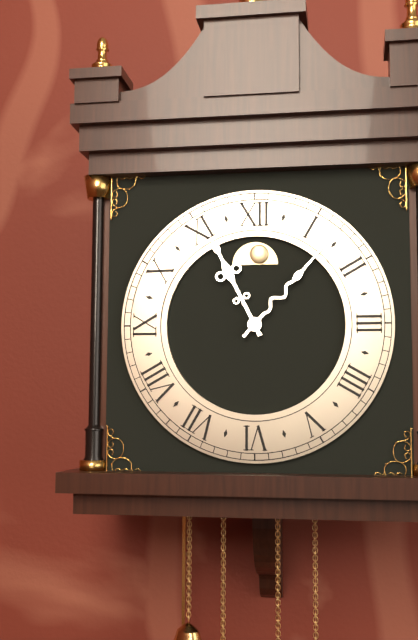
11.07
